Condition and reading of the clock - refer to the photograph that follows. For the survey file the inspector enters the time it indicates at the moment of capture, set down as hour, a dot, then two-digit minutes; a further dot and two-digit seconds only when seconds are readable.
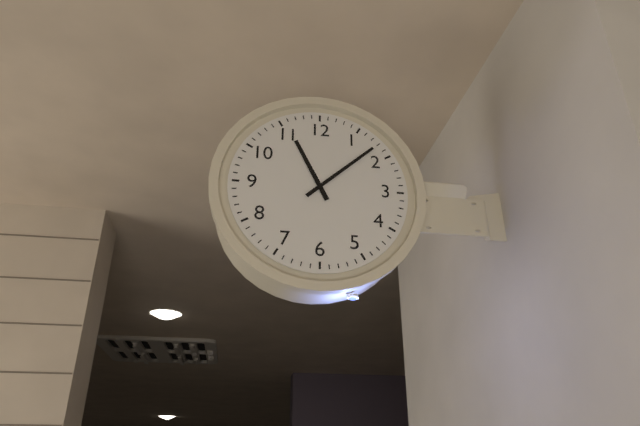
11.08
